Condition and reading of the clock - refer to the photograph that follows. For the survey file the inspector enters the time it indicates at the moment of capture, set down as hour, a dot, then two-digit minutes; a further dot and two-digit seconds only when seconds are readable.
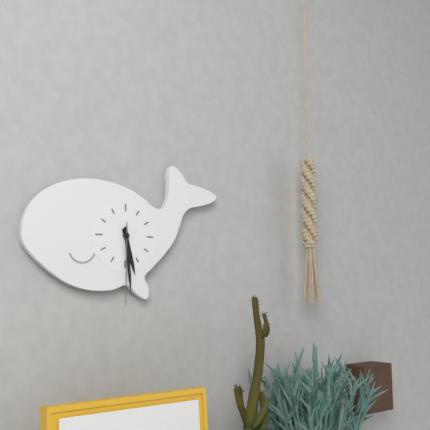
5.29.30
